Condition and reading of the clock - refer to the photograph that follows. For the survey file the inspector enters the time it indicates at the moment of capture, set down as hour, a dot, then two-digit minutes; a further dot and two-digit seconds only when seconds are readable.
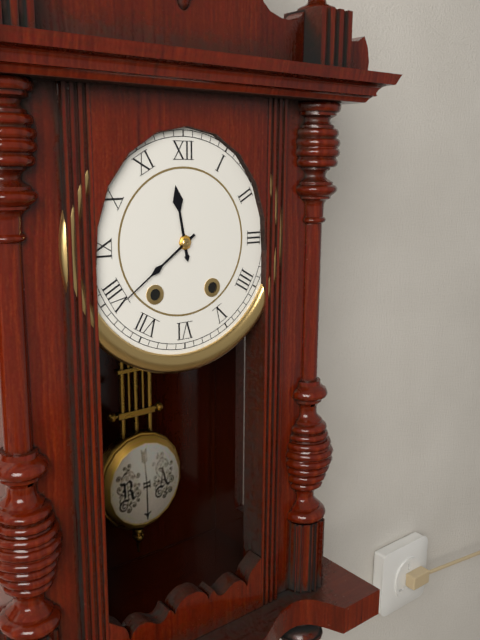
11.39
